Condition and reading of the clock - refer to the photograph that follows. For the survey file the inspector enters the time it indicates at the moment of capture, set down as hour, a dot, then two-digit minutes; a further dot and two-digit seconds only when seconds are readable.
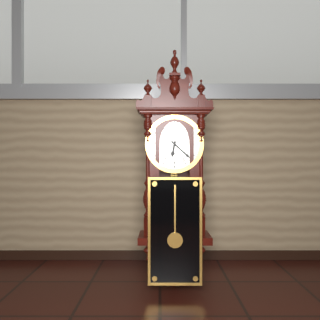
6.22
